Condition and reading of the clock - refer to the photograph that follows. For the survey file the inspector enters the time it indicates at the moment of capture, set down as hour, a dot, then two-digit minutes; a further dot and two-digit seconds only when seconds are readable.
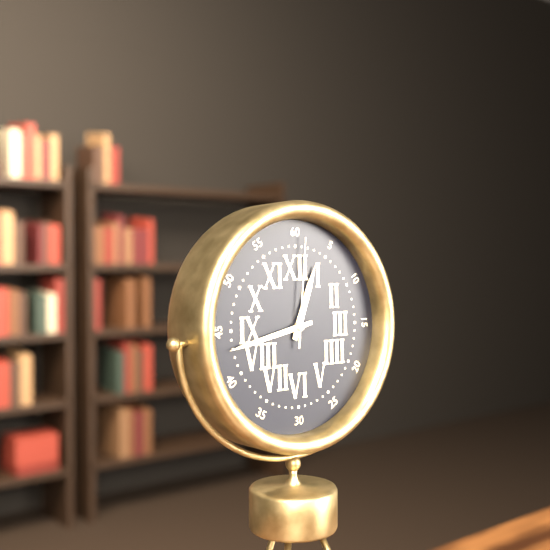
12.43.01
